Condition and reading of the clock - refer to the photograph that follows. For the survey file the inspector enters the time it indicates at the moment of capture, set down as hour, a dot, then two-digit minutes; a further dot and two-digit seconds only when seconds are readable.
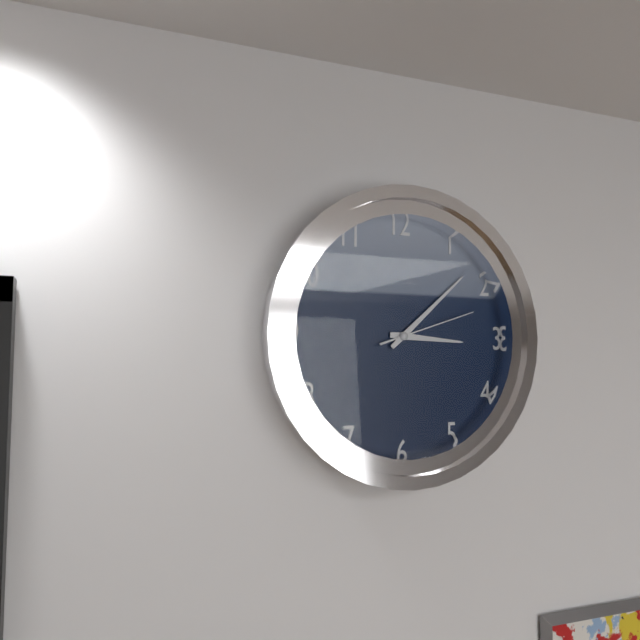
3.08.12
